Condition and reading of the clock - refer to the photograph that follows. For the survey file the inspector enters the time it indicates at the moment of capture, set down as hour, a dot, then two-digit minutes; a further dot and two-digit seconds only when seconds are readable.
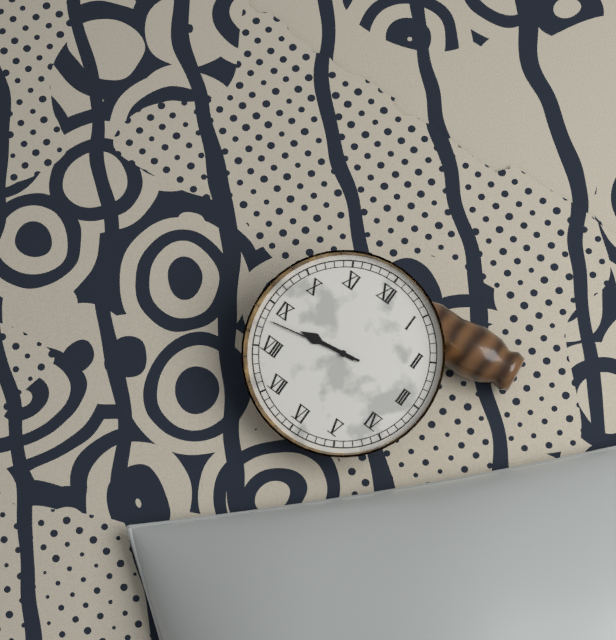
8.43
